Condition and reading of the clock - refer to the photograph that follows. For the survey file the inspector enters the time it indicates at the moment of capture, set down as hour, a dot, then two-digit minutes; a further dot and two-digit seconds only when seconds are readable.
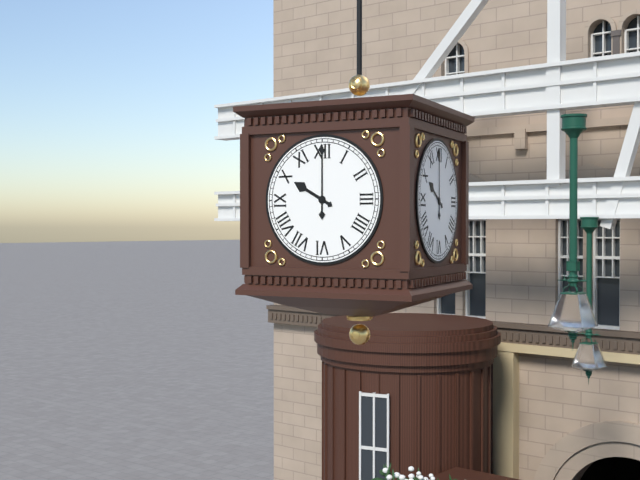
10.00
